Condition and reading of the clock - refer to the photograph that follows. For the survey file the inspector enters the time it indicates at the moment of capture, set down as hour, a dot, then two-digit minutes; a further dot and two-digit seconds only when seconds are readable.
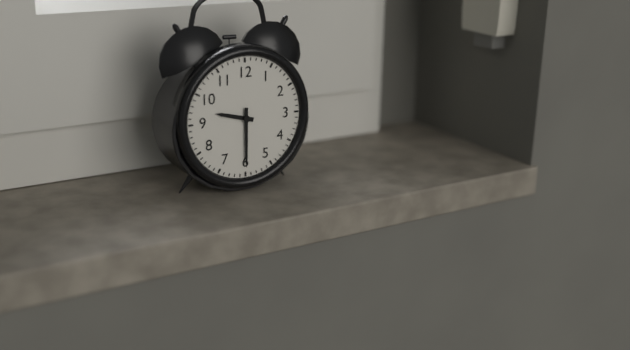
9.30
